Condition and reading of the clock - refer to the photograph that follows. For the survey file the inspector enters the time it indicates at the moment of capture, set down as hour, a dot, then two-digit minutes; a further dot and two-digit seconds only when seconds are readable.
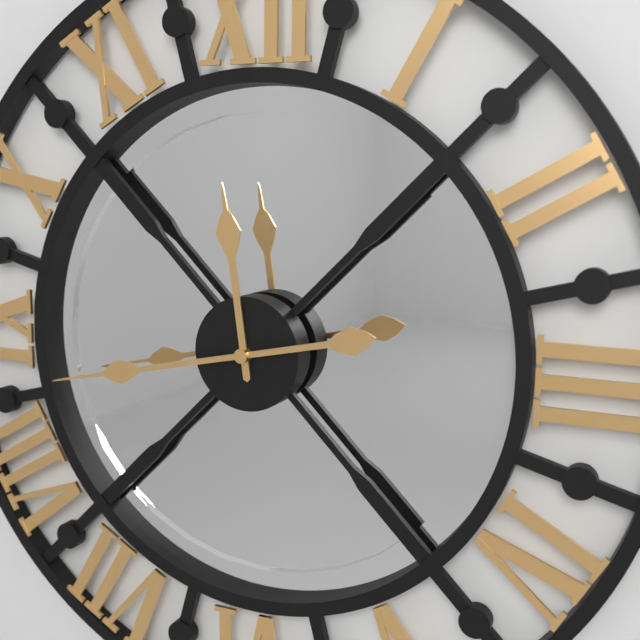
11.43
